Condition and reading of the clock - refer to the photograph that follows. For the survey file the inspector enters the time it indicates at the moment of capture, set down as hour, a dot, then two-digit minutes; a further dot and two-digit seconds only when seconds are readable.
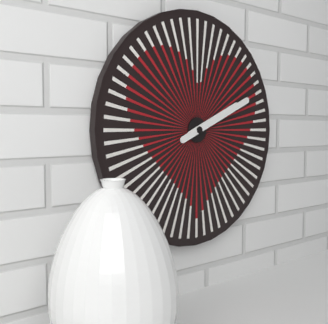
2.11
